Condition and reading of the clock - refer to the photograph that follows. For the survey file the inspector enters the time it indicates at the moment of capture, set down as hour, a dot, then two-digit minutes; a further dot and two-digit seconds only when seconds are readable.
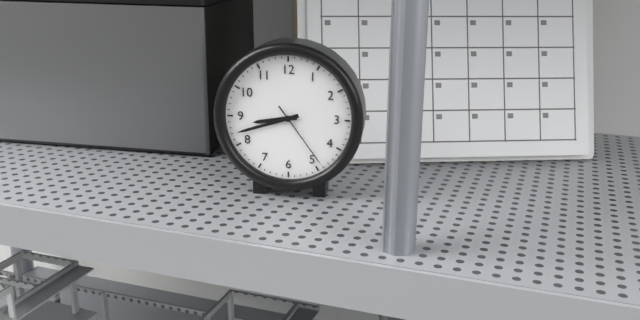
8.42.24
